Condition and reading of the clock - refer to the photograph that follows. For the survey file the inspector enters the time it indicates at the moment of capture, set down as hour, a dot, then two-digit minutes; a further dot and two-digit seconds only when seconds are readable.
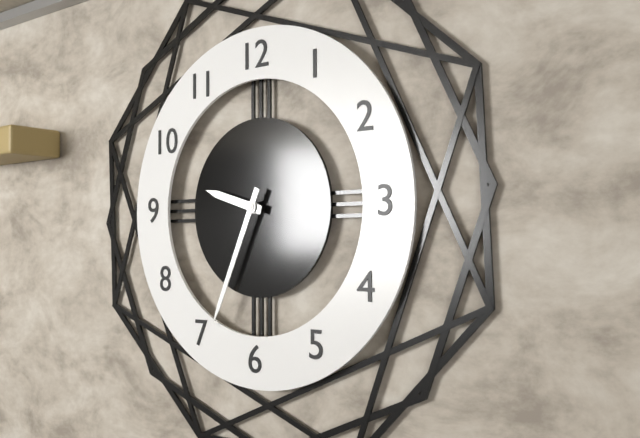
9.34
